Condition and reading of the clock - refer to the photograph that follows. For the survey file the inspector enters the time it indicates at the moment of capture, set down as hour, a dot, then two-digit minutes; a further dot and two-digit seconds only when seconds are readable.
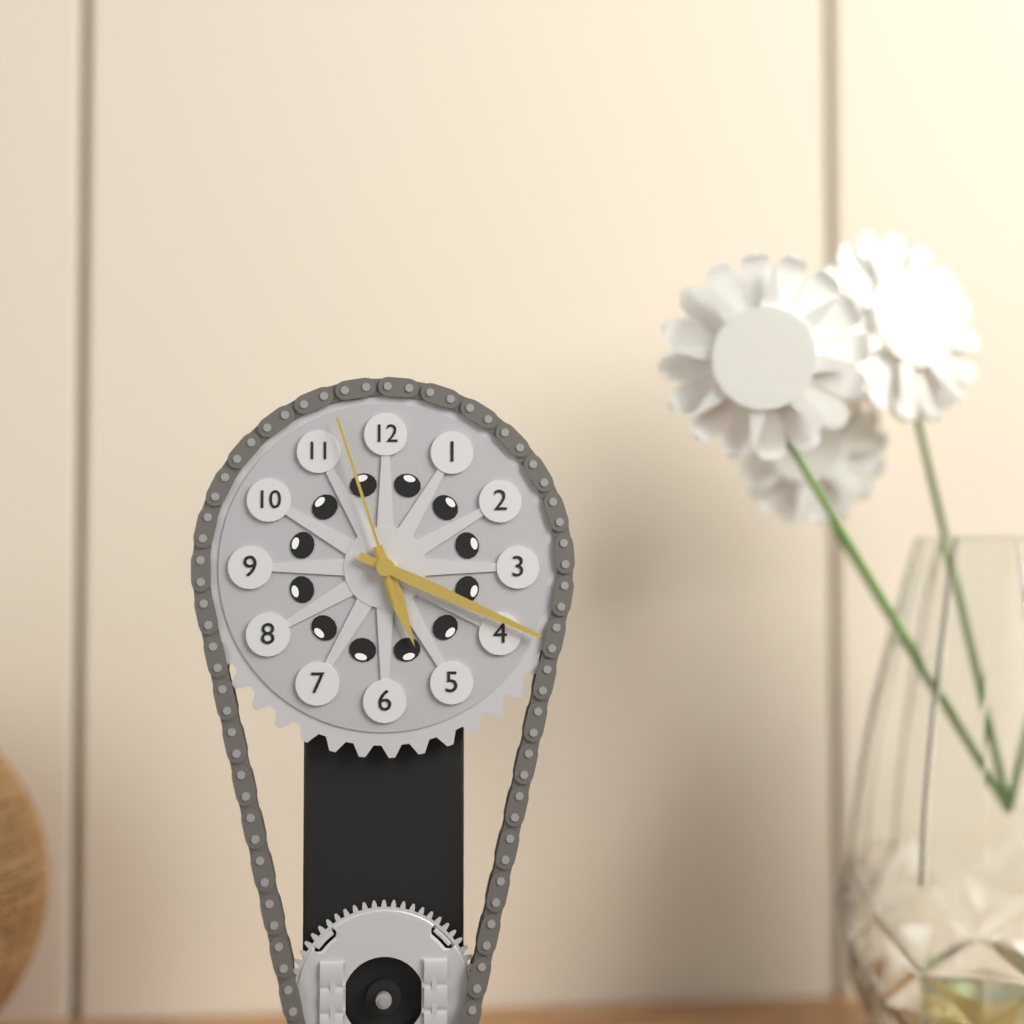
5.19.57
